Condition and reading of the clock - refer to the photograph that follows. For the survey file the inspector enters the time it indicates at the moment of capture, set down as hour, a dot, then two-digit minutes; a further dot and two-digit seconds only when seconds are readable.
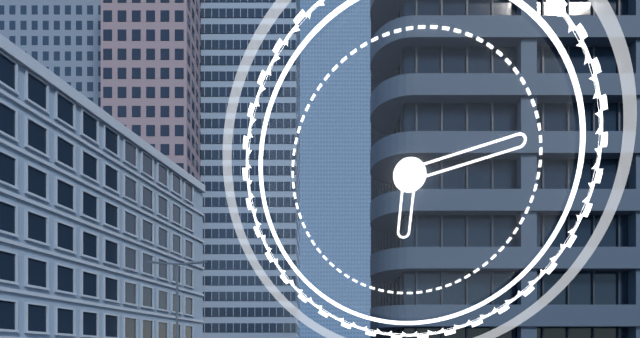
6.13
